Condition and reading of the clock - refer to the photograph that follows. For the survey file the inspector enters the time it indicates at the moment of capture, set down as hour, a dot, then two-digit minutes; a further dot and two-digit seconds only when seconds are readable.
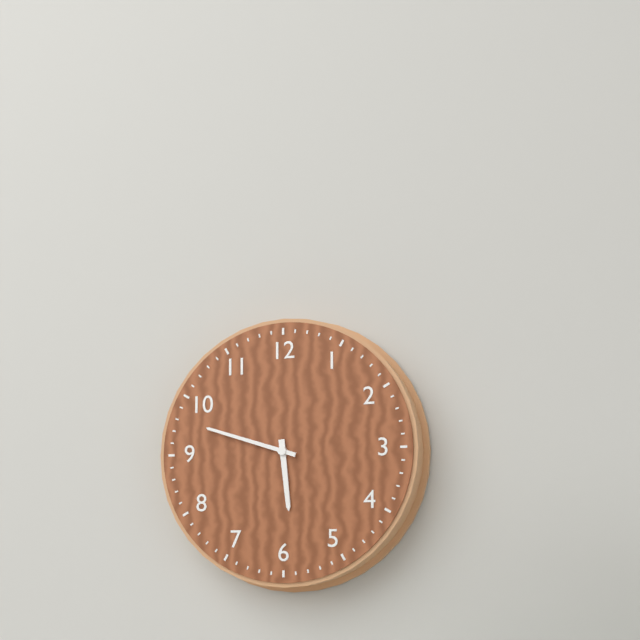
5.48
